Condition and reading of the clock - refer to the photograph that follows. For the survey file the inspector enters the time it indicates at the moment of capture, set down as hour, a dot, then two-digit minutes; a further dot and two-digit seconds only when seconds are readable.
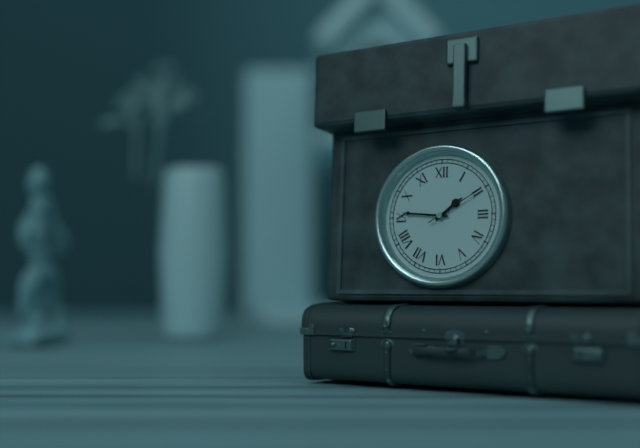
1.46.10
